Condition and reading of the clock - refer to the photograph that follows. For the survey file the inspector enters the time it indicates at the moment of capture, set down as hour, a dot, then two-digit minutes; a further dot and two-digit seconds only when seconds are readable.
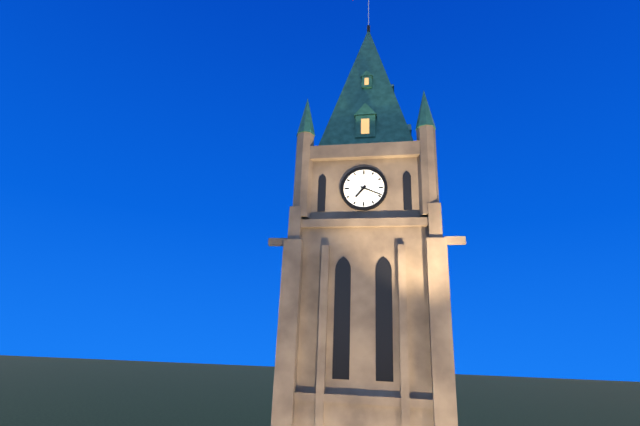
7.19
